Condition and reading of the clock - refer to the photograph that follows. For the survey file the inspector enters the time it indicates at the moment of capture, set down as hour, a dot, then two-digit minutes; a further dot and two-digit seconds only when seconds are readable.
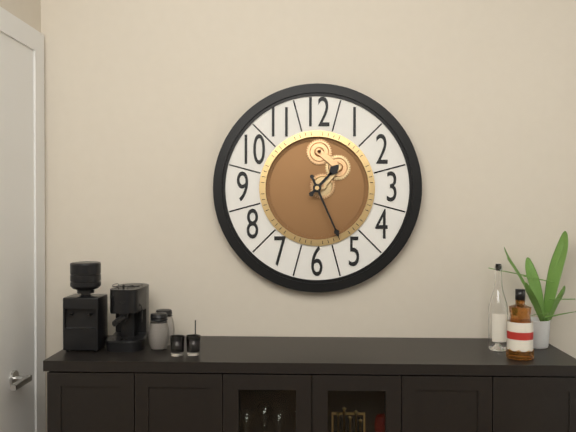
1.26
